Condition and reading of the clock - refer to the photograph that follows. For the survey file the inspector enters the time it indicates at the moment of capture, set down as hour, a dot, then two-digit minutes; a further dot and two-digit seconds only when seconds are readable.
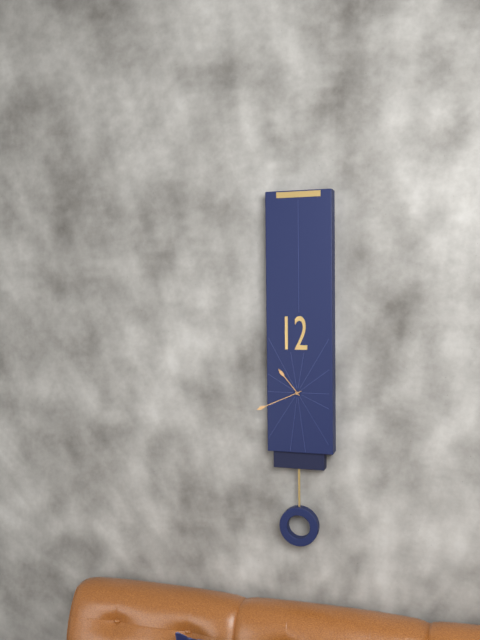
10.41
